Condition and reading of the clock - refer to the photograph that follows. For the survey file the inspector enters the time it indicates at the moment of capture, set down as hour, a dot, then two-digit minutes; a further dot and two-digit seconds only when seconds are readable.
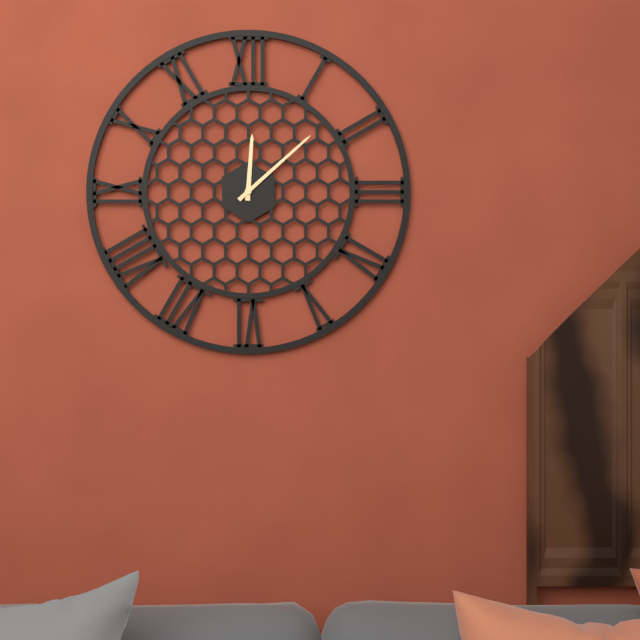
12.08
